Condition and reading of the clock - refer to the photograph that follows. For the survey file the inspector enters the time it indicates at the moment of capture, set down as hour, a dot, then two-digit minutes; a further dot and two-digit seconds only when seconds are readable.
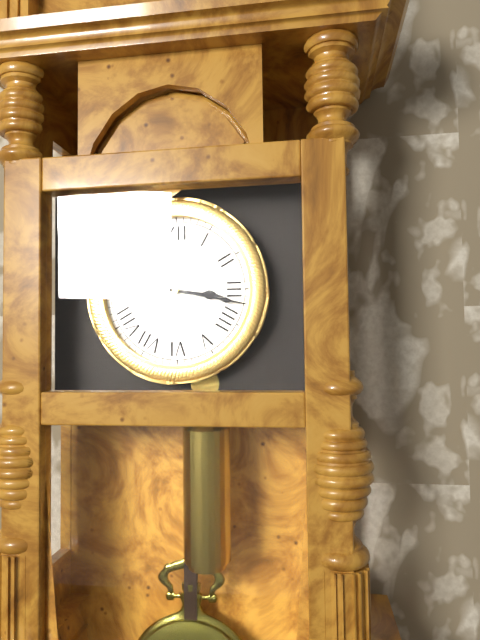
3.17
